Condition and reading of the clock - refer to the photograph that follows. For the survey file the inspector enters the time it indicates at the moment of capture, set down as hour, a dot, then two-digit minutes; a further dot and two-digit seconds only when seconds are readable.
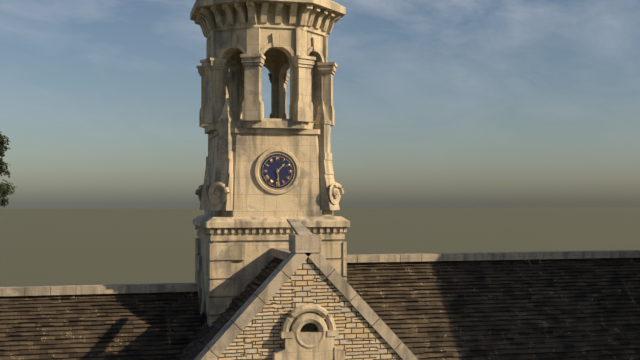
1.29
